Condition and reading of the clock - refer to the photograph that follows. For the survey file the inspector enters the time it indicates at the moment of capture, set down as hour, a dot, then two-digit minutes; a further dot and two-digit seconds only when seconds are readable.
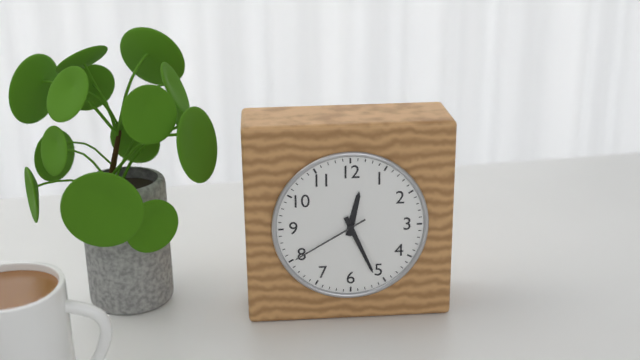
12.26.40
